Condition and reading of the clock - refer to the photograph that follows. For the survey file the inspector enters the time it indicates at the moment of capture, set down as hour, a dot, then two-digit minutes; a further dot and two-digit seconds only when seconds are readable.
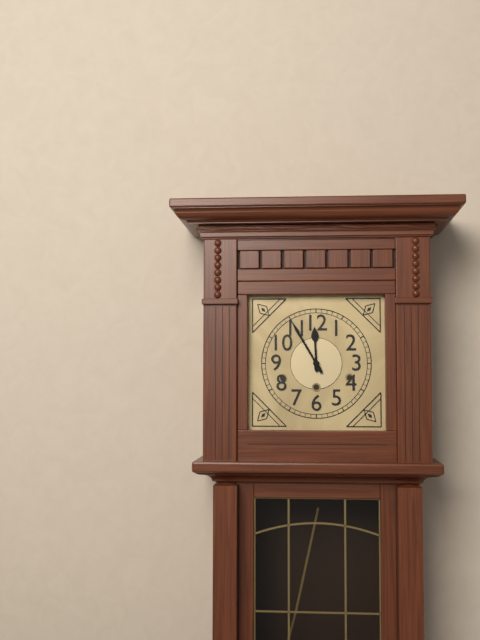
11.55
